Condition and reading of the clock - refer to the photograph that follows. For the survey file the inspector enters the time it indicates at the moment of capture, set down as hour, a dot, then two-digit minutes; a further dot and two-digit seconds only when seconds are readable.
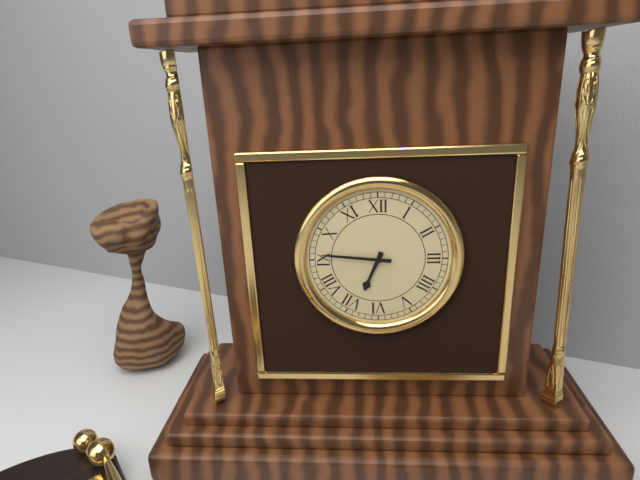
6.46
